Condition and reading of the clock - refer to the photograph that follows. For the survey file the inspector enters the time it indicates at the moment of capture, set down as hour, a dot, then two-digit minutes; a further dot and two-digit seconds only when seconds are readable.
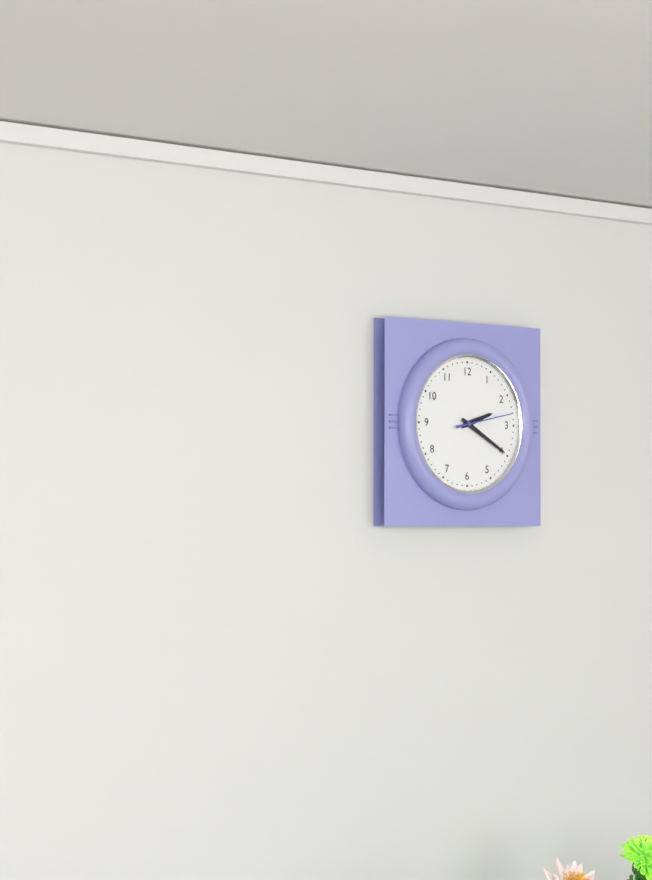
2.20.13
